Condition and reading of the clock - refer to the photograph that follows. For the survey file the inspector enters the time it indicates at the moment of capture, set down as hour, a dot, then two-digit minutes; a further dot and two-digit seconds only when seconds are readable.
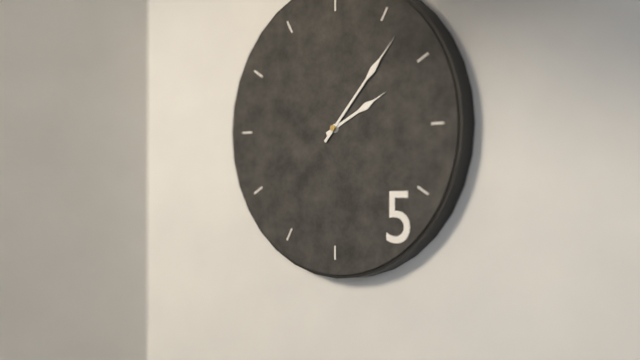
2.07
